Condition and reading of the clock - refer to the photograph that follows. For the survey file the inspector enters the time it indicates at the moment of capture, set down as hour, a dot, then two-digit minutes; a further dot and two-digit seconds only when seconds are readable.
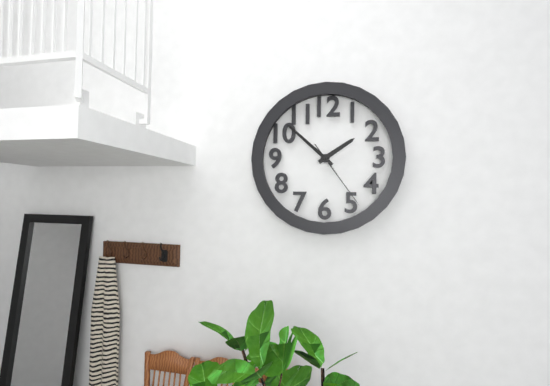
1.52.24
